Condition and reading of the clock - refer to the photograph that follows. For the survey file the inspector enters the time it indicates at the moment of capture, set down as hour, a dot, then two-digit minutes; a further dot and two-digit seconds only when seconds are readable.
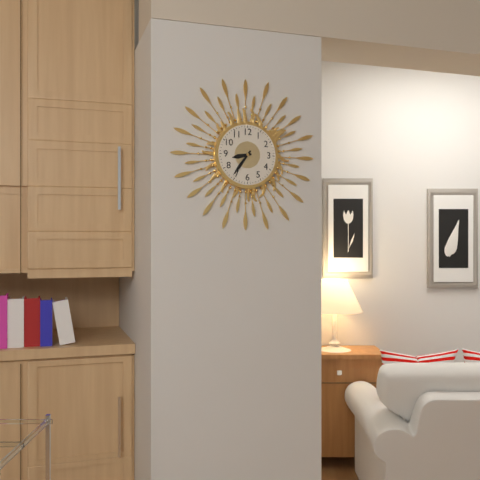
8.36
